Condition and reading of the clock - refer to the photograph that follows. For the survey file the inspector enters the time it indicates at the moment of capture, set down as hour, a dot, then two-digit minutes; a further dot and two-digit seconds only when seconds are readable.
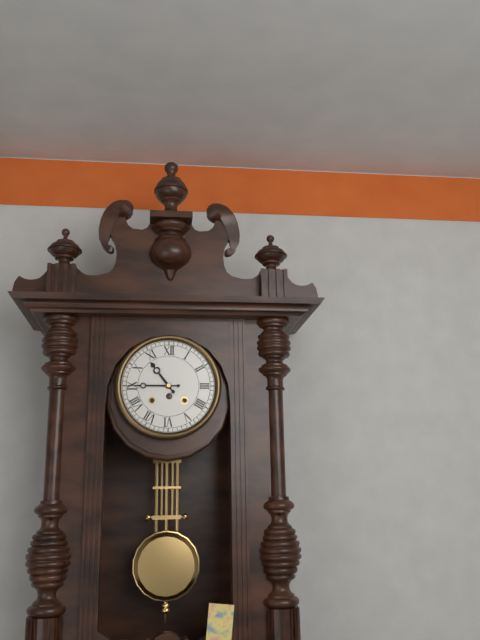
10.45
